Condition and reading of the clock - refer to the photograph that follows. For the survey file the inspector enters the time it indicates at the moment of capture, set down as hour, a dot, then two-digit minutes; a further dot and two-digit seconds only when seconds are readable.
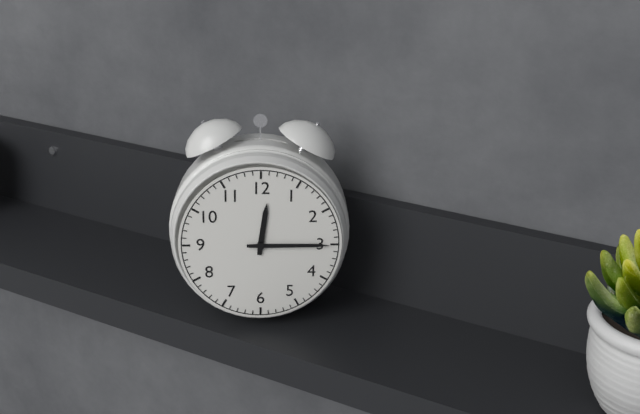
12.15
